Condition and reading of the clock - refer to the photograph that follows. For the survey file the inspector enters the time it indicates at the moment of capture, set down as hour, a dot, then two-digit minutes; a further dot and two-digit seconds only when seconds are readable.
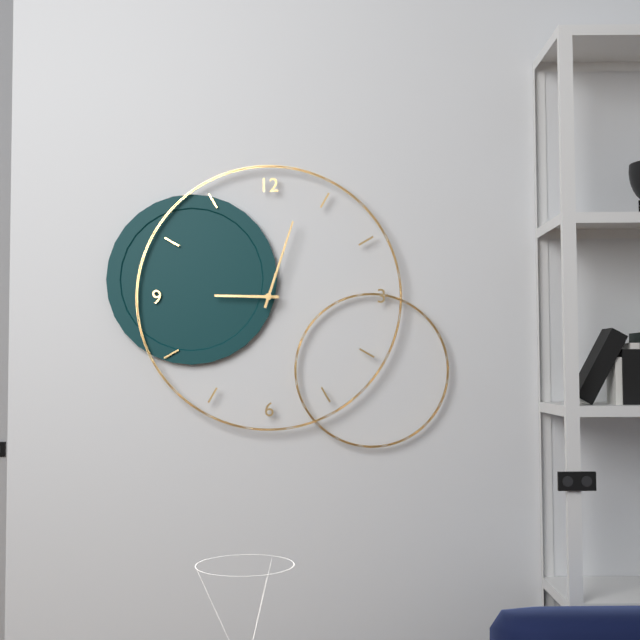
9.03
